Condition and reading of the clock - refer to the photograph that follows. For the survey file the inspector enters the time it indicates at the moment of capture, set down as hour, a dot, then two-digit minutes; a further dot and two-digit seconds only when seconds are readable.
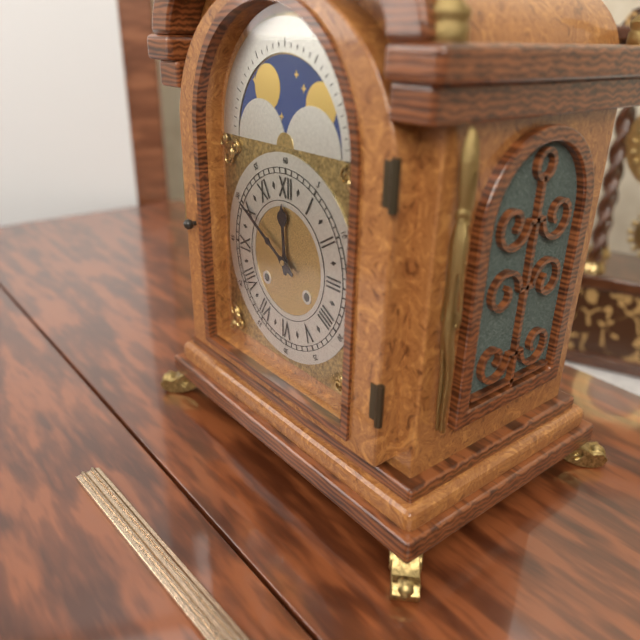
11.50
